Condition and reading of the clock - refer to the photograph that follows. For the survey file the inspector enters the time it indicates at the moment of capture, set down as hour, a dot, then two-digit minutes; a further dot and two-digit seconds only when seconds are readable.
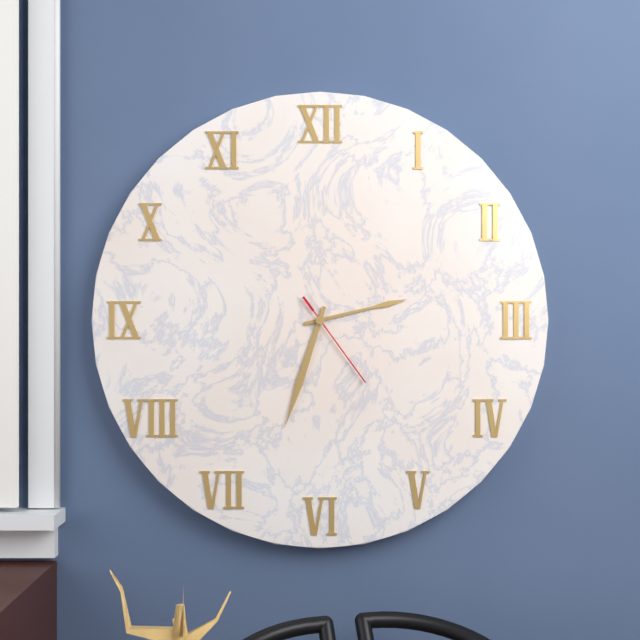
2.33.24
